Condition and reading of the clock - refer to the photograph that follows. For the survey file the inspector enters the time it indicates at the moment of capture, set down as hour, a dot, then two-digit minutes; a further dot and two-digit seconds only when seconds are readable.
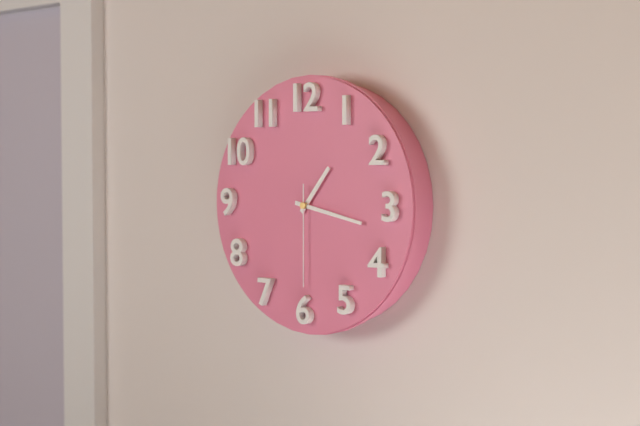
1.17.30
